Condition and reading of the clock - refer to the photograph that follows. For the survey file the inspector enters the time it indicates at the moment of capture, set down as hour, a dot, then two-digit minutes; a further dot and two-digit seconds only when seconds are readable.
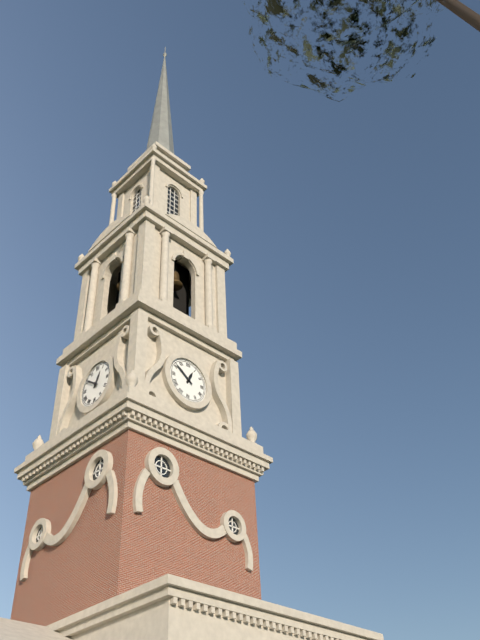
12.51
